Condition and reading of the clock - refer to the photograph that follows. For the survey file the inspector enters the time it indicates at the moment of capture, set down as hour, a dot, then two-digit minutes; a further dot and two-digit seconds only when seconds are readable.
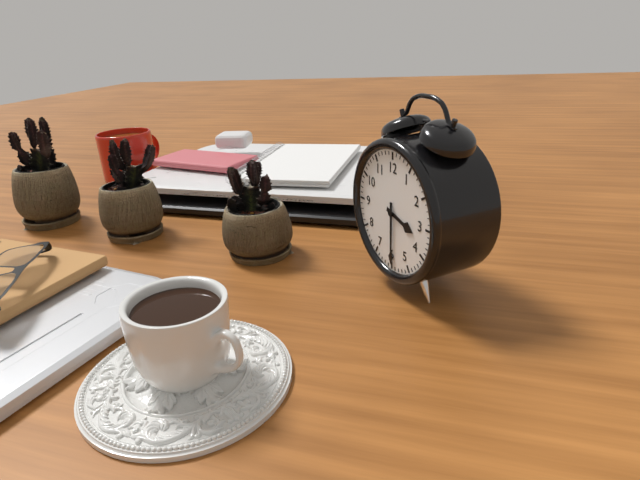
3.30
